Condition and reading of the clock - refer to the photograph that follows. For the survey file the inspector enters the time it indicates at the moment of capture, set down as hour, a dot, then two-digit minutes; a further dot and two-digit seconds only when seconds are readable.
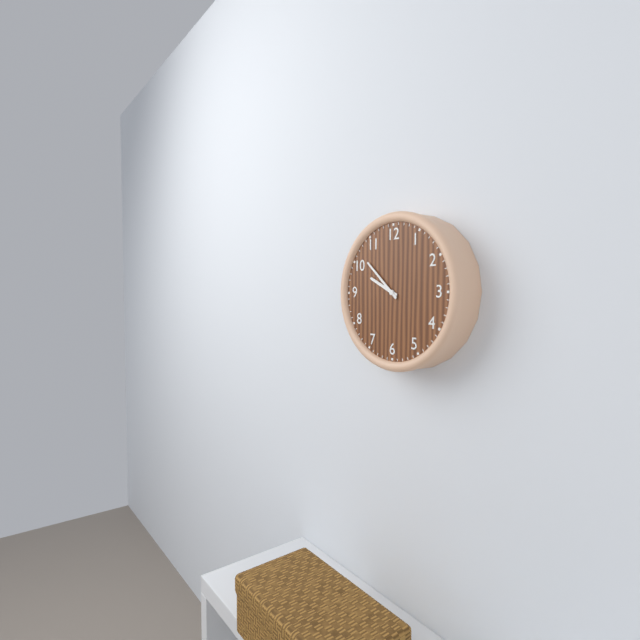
9.52
